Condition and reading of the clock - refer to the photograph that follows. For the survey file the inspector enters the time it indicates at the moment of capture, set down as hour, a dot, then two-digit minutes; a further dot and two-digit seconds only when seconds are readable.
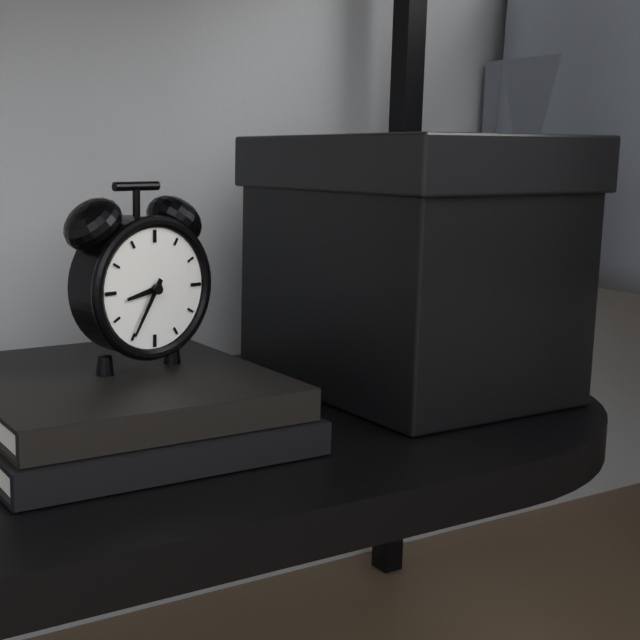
8.35
